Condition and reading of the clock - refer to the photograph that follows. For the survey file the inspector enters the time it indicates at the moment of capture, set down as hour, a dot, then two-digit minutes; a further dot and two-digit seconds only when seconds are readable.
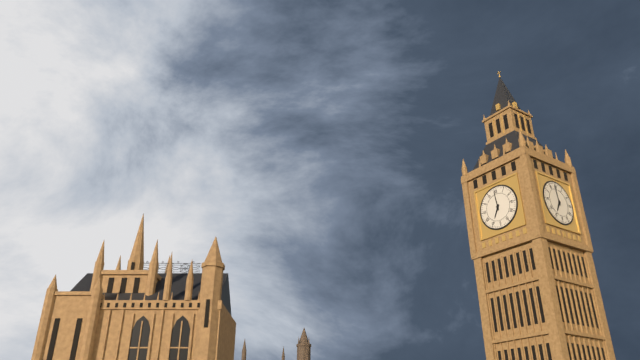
6.59
